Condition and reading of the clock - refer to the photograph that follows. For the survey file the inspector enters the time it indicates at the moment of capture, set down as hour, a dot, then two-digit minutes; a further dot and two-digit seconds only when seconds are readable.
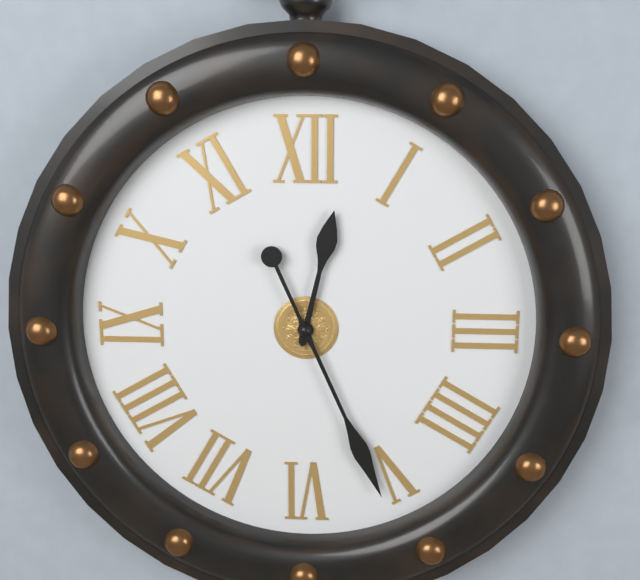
12.26
